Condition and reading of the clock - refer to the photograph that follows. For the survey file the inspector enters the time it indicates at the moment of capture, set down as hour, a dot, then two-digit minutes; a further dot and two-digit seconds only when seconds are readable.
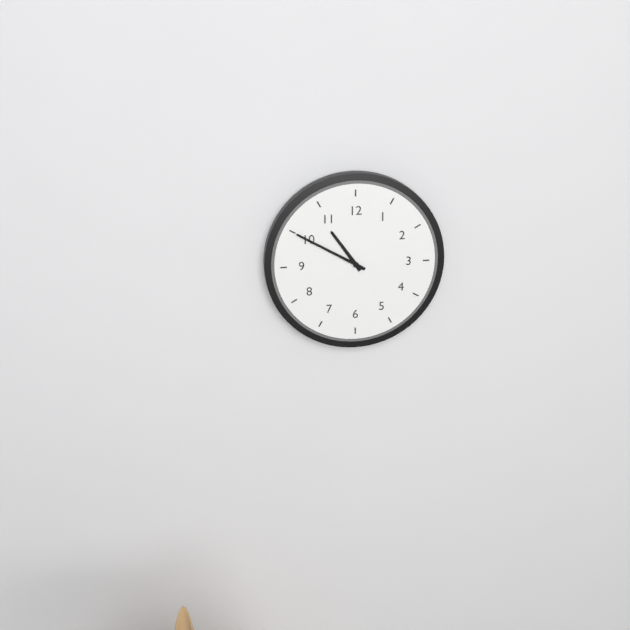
10.50
